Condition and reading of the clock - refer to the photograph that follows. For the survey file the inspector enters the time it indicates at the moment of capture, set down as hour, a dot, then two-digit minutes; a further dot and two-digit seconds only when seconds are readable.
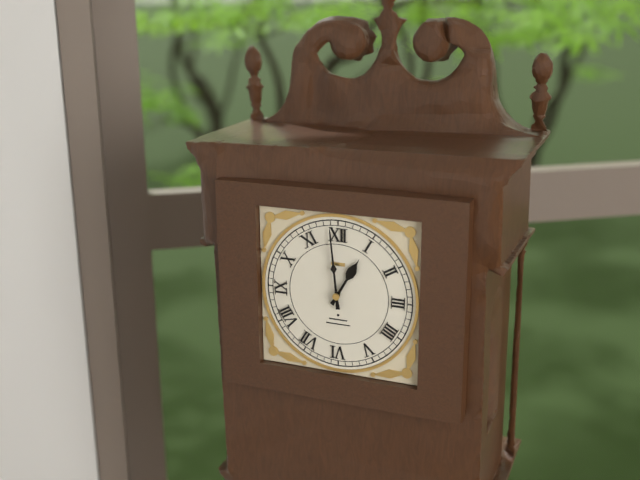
12.59
